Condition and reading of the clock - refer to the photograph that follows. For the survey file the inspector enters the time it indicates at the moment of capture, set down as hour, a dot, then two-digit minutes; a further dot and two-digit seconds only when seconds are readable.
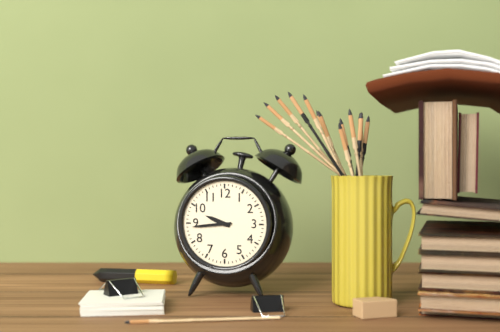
9.44
